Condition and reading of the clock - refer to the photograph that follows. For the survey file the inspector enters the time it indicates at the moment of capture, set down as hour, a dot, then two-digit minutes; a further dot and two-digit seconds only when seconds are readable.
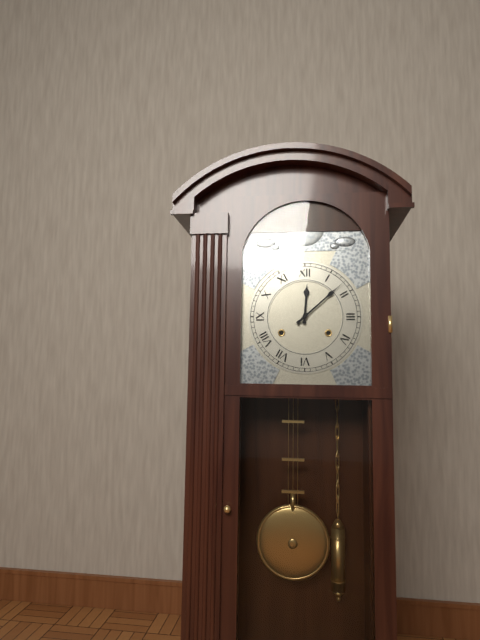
12.08
